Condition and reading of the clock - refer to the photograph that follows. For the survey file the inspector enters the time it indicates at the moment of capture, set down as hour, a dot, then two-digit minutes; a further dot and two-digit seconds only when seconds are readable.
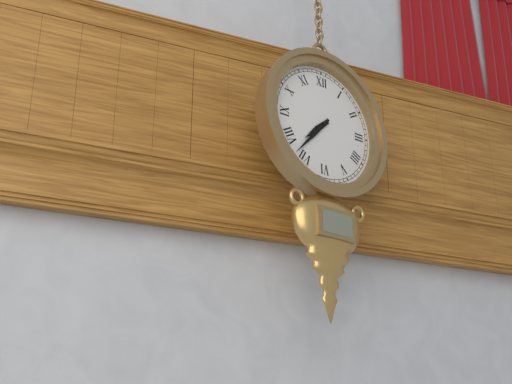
7.37
